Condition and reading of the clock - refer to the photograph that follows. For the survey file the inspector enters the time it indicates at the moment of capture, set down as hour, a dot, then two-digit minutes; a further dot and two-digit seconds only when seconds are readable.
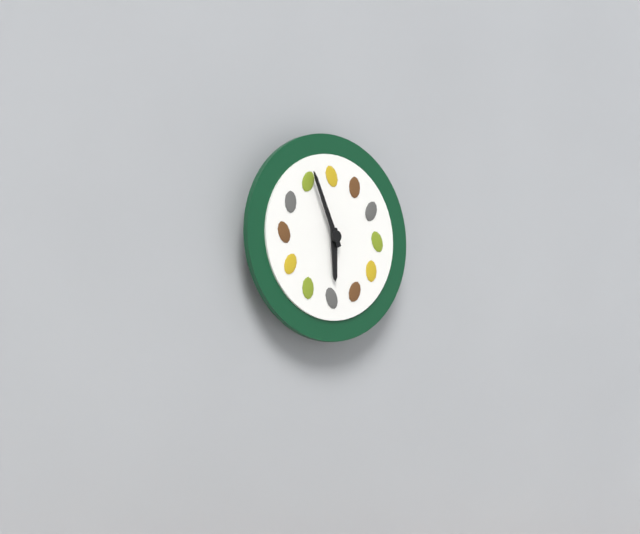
5.56
